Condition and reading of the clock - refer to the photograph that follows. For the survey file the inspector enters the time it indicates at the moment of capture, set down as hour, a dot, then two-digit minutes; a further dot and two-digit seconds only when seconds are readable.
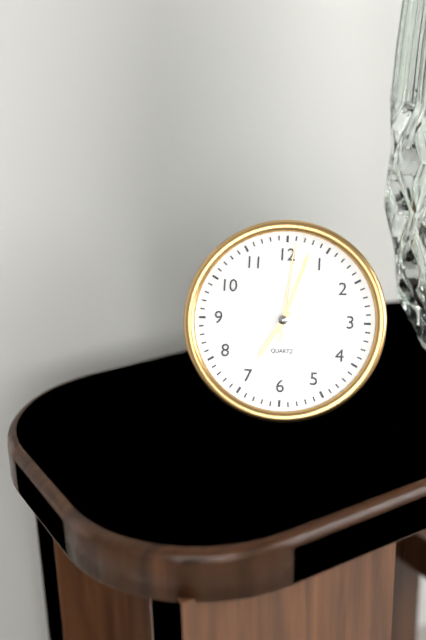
7.03.01
